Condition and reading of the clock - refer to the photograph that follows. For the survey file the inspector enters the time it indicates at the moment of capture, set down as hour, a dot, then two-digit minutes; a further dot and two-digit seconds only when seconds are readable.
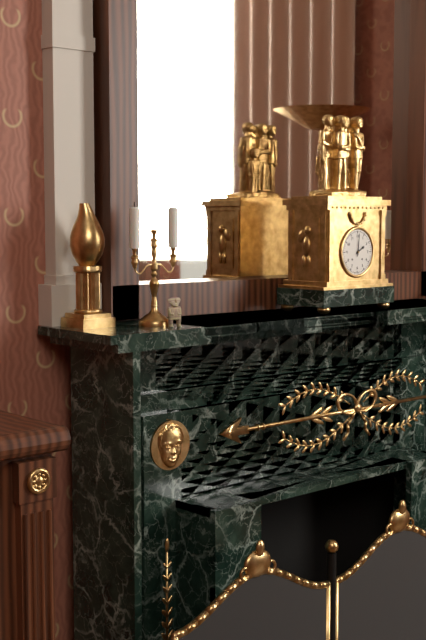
2.01
